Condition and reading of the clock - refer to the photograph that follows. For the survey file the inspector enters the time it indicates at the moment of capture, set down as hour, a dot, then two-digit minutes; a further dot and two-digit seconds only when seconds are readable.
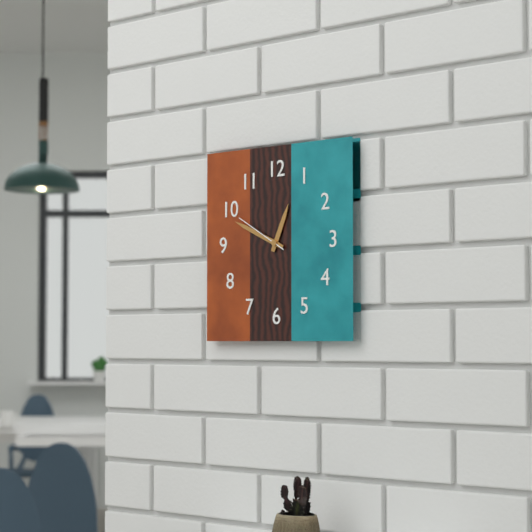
12.49.50
